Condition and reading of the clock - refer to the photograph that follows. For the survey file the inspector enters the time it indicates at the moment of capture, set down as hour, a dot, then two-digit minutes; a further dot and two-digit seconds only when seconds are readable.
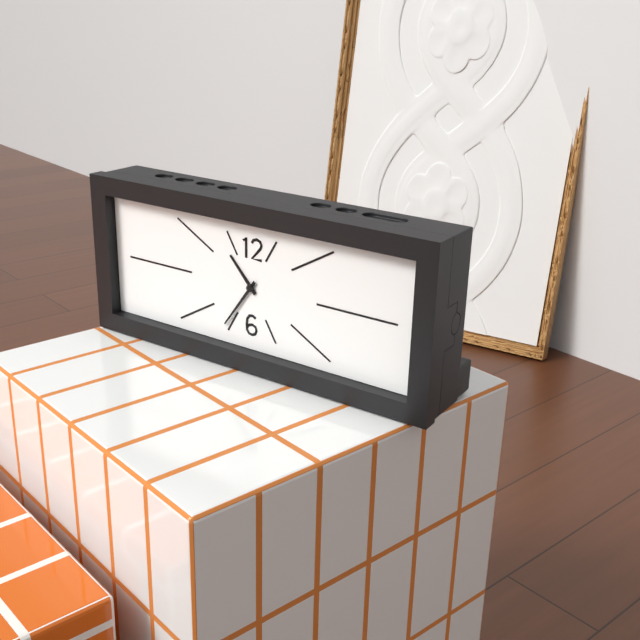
10.36
